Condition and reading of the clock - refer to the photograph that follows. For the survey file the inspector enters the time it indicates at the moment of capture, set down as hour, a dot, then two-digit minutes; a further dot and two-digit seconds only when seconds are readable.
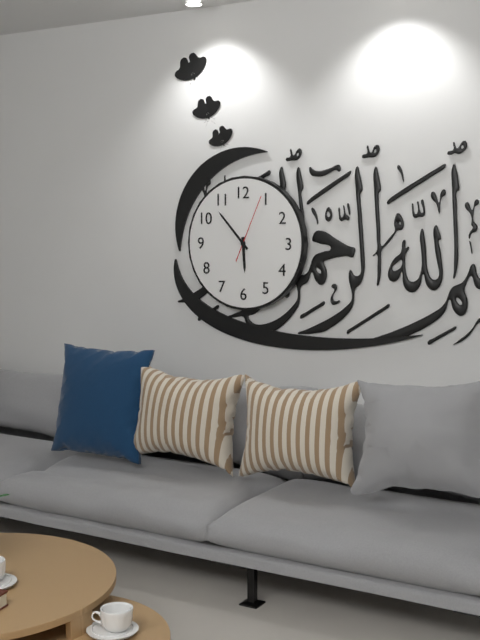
5.53.04
